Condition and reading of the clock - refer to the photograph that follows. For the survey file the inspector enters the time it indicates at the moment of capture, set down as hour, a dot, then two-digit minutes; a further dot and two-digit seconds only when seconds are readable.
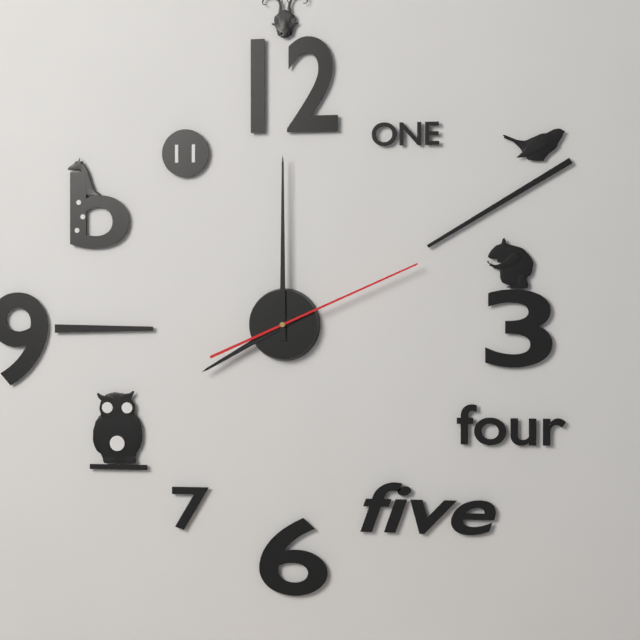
8.00.11
